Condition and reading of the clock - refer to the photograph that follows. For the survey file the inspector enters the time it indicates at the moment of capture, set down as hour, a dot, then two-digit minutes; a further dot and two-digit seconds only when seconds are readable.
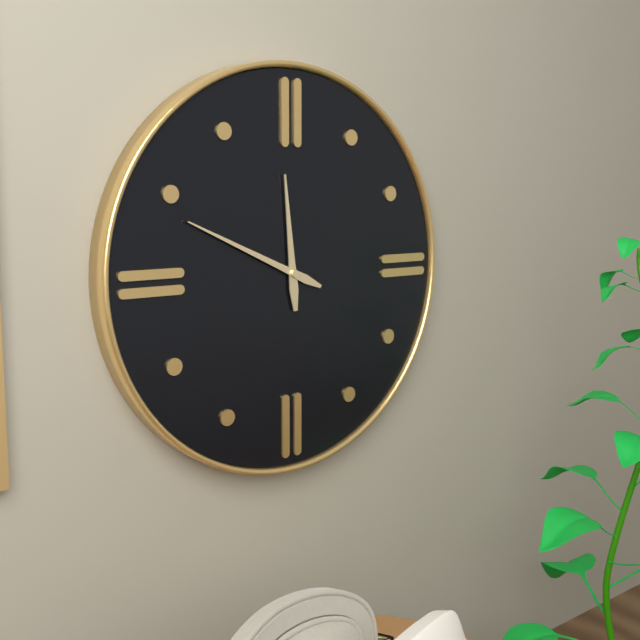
11.49
